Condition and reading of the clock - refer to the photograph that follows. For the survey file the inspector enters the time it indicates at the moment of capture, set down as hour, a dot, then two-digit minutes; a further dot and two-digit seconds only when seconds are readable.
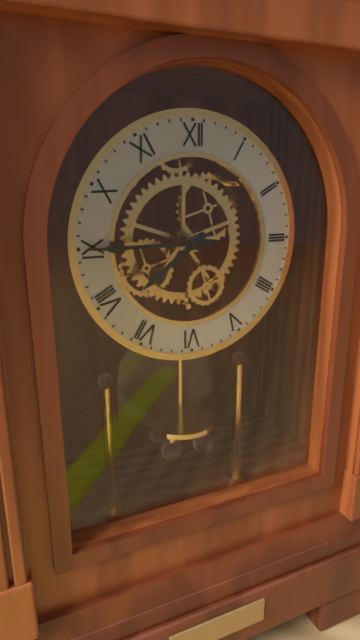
7.45
